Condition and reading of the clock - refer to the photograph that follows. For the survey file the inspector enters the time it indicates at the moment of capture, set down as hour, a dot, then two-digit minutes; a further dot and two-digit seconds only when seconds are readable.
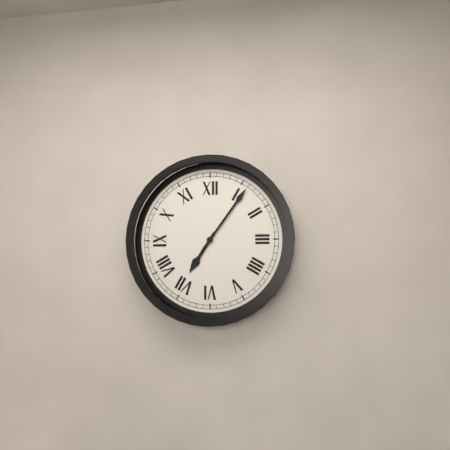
7.06
